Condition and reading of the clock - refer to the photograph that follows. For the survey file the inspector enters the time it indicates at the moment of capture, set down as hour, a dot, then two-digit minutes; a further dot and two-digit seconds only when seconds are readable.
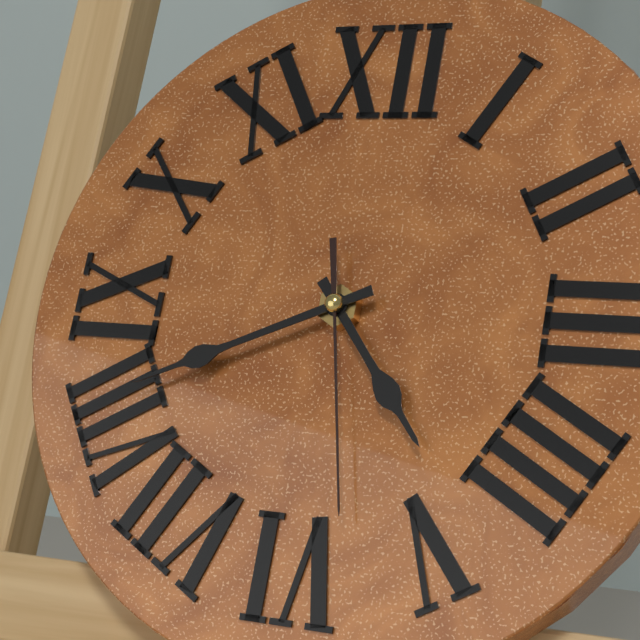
4.41.28
